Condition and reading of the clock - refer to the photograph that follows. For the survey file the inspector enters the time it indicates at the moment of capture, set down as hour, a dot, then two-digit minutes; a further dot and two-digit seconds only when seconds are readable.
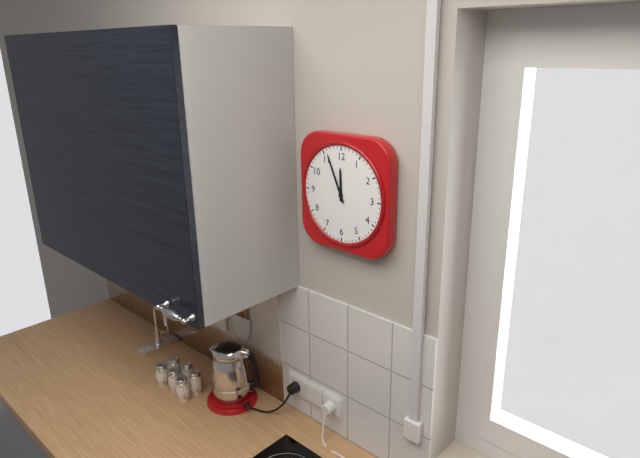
11.56
